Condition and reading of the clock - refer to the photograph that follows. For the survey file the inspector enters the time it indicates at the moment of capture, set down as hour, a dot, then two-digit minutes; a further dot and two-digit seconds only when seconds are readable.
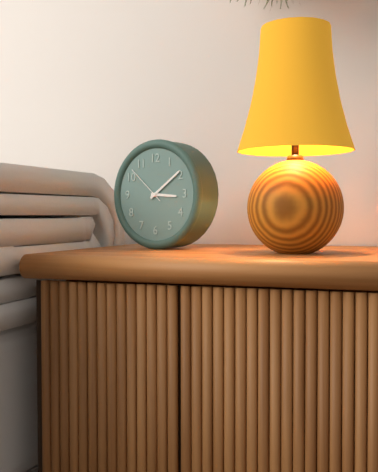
3.09
